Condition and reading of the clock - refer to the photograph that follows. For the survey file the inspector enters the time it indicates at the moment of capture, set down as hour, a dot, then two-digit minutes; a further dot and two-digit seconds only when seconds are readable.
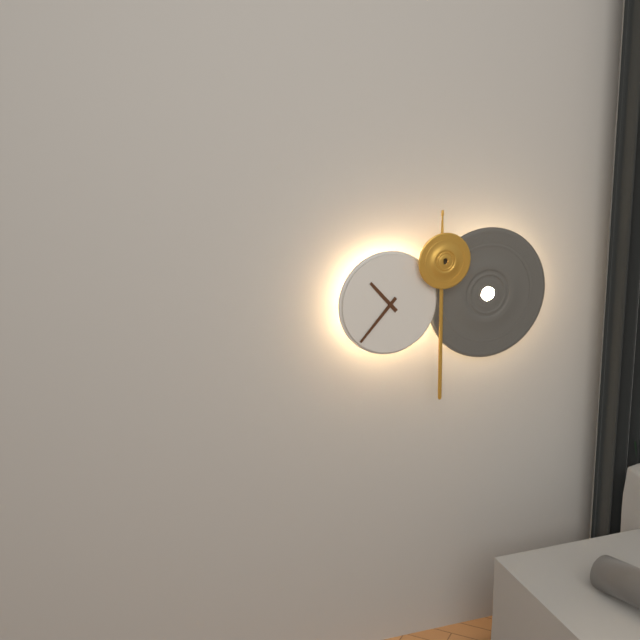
10.37
